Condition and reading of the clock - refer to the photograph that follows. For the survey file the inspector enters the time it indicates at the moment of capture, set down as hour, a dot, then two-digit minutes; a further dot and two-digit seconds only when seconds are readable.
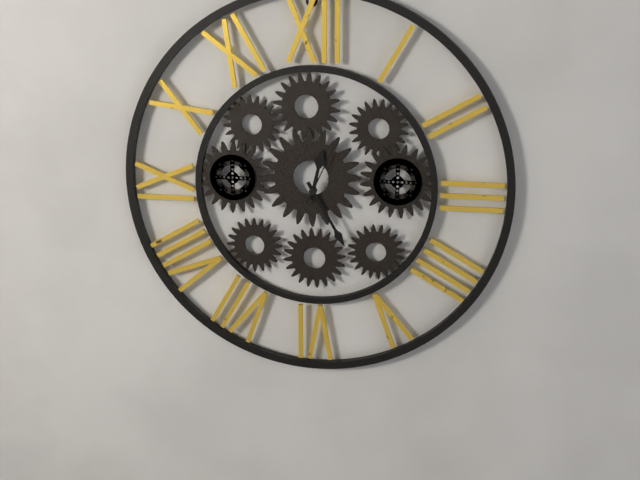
12.25.04
